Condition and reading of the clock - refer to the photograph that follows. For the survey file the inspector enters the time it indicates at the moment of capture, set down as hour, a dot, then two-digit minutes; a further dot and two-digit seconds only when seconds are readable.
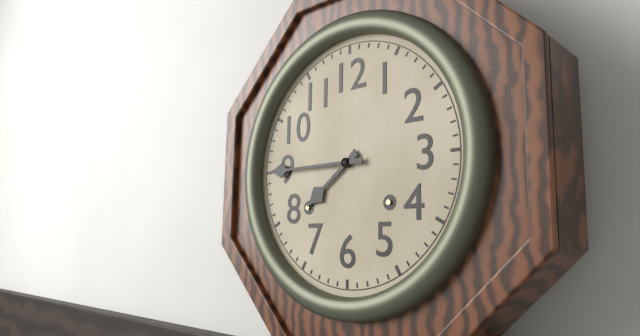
7.45
